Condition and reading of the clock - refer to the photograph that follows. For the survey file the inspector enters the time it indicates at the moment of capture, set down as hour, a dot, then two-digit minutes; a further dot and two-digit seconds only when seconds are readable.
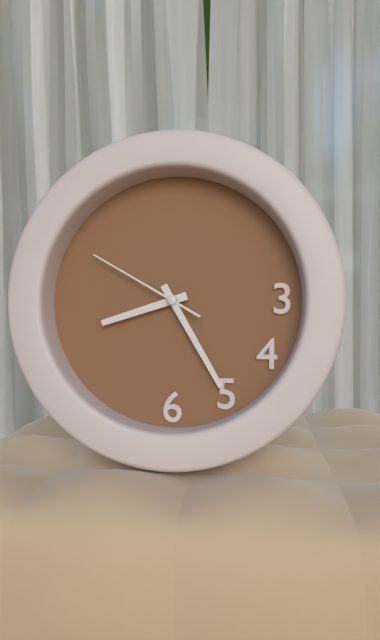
8.25.50
